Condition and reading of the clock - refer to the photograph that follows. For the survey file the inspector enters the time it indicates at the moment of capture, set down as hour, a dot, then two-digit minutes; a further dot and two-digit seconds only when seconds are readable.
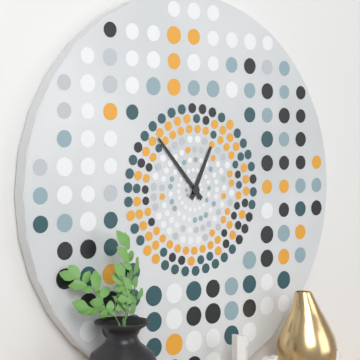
12.53
